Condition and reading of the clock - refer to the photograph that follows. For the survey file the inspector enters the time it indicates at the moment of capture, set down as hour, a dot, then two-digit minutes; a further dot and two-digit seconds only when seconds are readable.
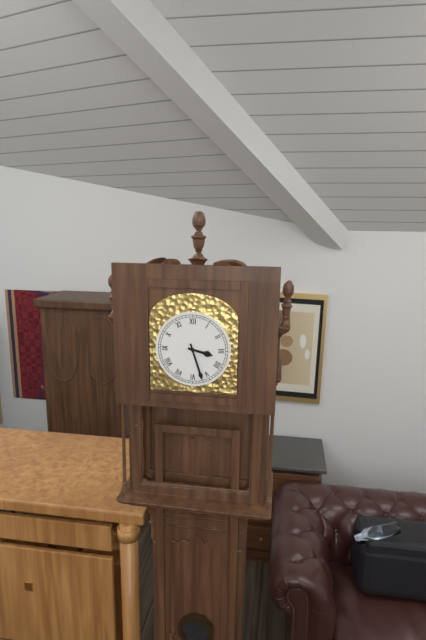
3.27
